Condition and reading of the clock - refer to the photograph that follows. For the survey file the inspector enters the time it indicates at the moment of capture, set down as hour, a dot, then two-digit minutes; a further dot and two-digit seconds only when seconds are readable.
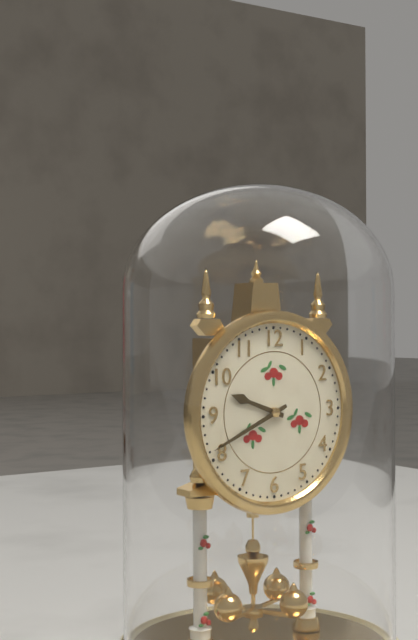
9.41
